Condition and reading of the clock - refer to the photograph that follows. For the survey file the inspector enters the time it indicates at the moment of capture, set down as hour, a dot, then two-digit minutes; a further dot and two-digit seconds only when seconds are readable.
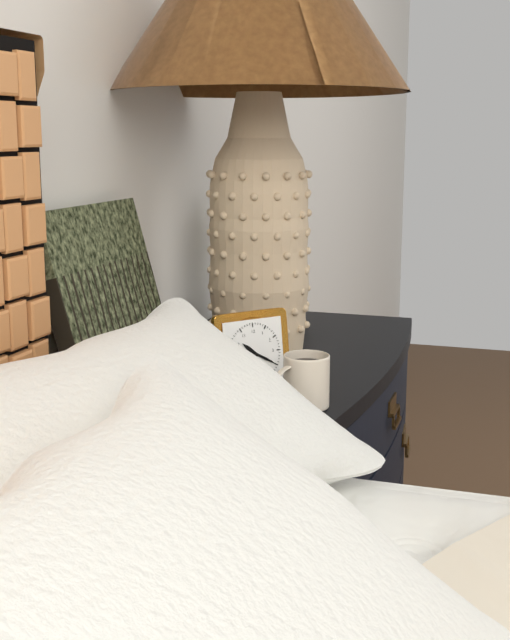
10.20
